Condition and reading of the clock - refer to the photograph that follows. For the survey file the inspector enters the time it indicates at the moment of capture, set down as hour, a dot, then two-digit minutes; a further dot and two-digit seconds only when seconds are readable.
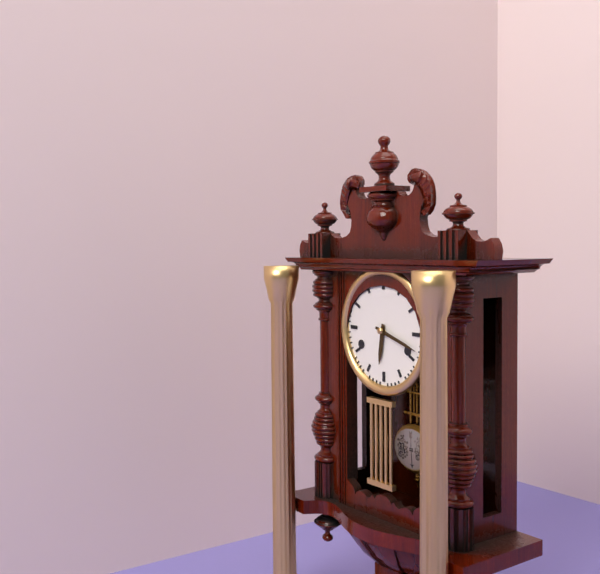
6.18
